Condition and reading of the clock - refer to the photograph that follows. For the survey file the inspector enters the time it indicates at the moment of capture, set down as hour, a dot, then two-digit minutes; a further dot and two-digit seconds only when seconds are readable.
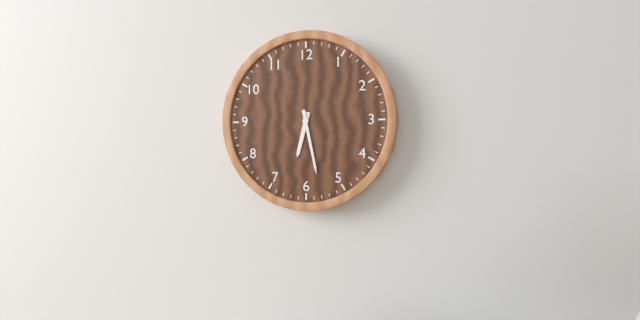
6.28
